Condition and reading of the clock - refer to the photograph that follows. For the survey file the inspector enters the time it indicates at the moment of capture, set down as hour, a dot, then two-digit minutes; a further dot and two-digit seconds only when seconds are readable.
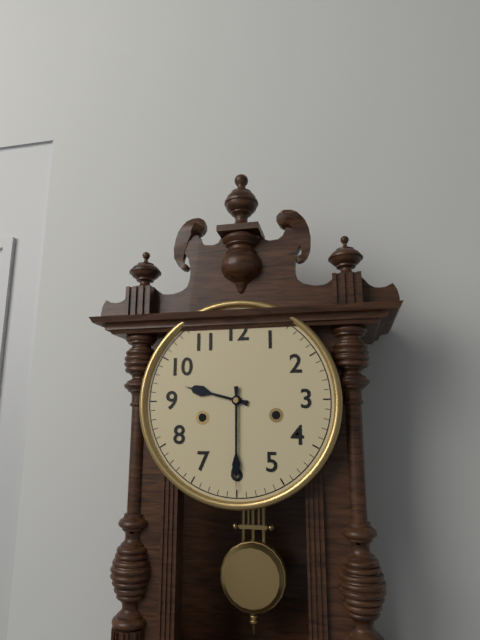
9.30
